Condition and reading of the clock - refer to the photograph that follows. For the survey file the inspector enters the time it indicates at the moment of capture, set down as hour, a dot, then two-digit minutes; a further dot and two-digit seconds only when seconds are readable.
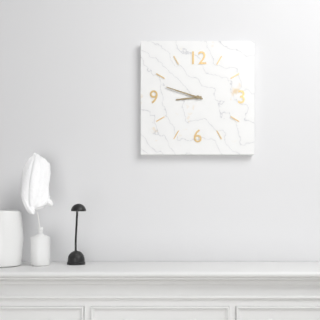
8.48
